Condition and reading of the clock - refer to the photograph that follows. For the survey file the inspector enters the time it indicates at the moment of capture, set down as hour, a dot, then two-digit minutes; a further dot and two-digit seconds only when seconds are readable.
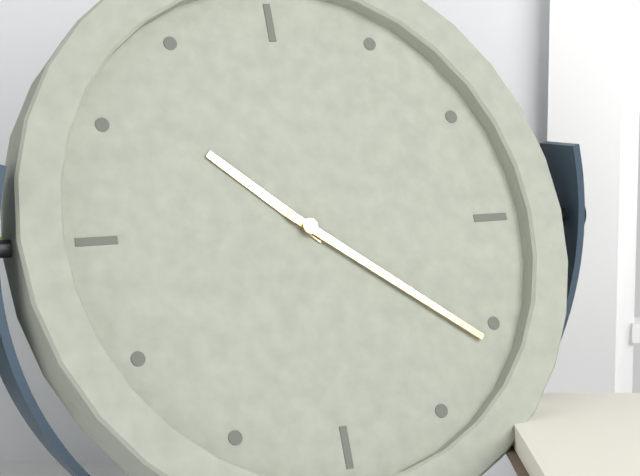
10.21
